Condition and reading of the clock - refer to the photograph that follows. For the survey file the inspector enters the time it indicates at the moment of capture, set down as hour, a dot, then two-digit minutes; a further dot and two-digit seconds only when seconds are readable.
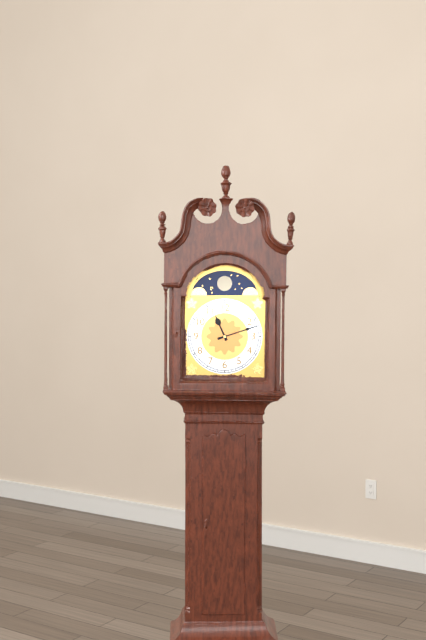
11.12
